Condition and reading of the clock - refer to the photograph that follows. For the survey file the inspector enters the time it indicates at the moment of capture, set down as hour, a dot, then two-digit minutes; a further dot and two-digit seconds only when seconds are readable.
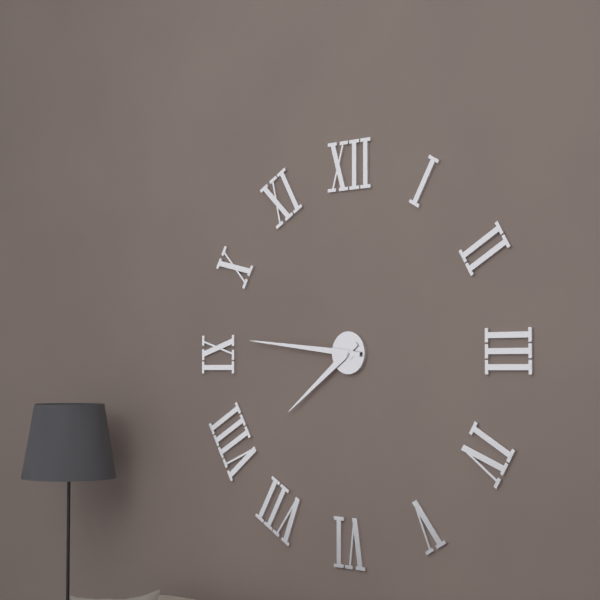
7.46
